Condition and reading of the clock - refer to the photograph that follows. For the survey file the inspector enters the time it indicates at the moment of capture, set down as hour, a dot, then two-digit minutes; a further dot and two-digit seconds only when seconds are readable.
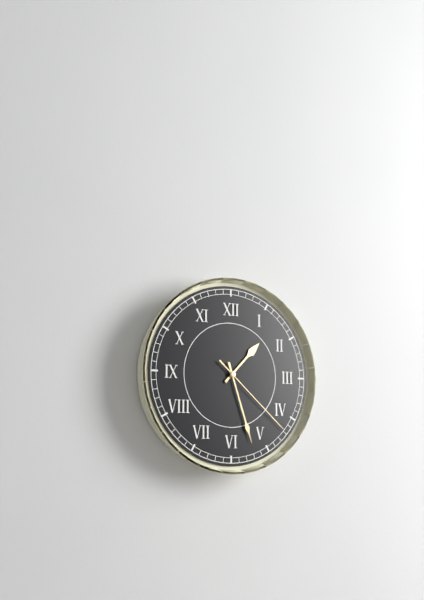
1.27.22
